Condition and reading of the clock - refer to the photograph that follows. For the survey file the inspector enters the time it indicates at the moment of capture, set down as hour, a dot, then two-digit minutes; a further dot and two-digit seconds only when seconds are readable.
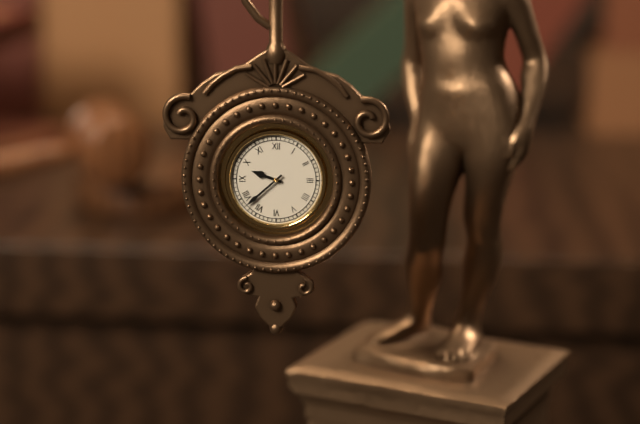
9.38
